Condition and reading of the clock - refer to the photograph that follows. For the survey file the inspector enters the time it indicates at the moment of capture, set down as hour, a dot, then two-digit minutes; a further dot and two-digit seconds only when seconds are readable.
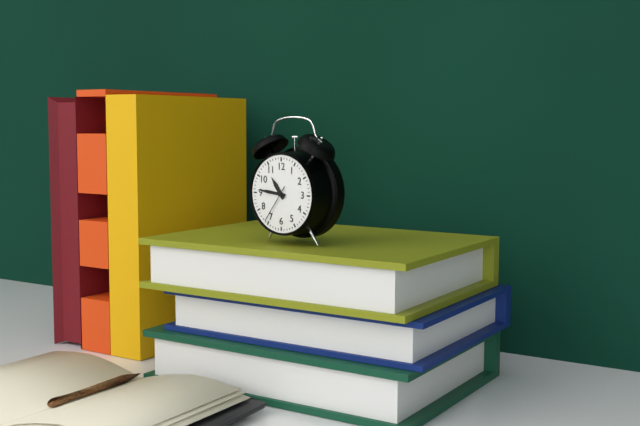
10.46
